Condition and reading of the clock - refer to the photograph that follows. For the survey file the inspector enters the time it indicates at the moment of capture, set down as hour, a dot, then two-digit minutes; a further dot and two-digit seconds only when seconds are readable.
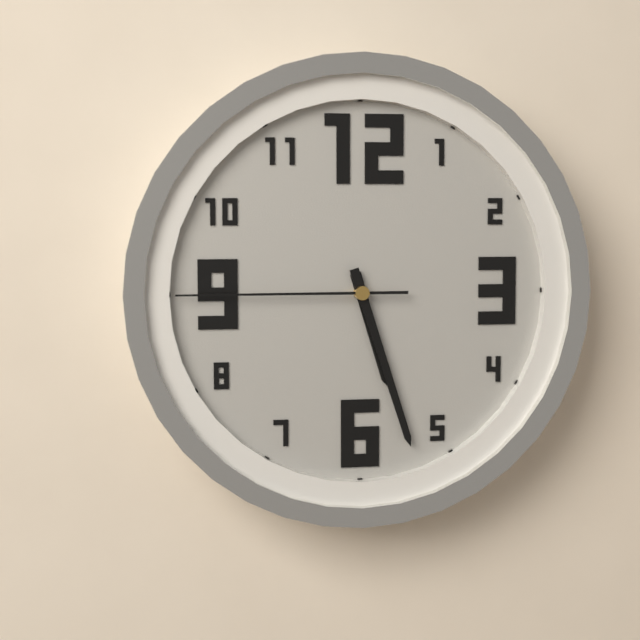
5.27.45
